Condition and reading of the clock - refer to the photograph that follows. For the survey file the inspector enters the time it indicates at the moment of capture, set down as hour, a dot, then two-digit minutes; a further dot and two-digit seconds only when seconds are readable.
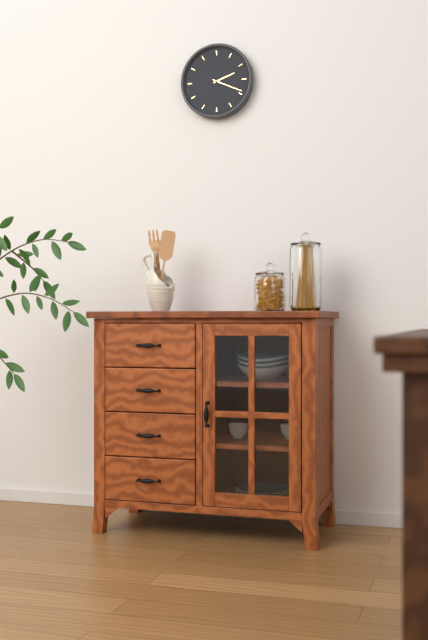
2.19
